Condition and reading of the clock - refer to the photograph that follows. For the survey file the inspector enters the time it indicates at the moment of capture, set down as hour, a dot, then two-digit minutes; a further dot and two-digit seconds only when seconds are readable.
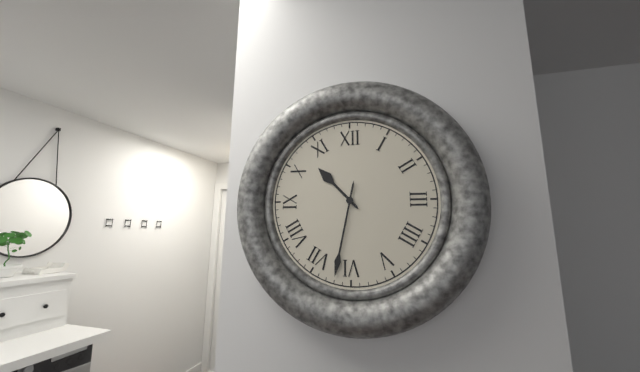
10.32
